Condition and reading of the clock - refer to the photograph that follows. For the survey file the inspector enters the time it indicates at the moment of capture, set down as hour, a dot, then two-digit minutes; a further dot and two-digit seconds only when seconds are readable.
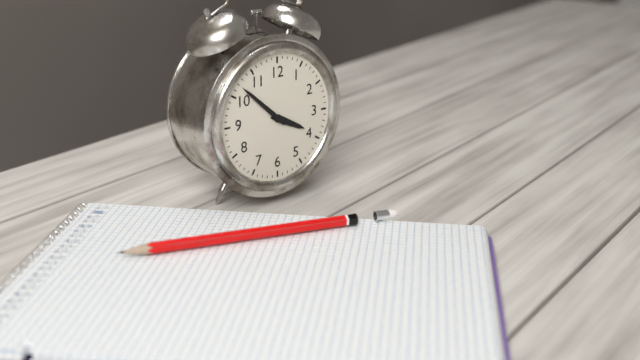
3.52
